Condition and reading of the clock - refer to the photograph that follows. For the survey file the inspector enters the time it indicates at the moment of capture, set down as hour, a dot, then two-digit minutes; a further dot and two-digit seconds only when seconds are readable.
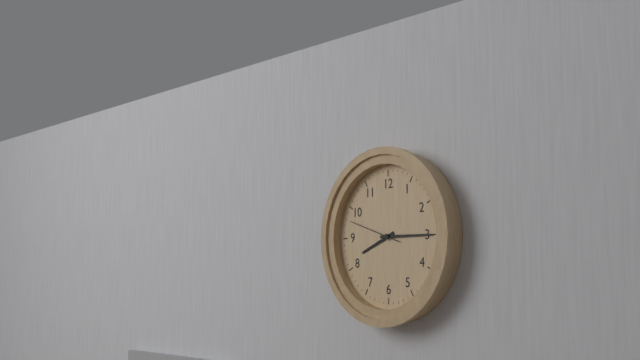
8.15.48
